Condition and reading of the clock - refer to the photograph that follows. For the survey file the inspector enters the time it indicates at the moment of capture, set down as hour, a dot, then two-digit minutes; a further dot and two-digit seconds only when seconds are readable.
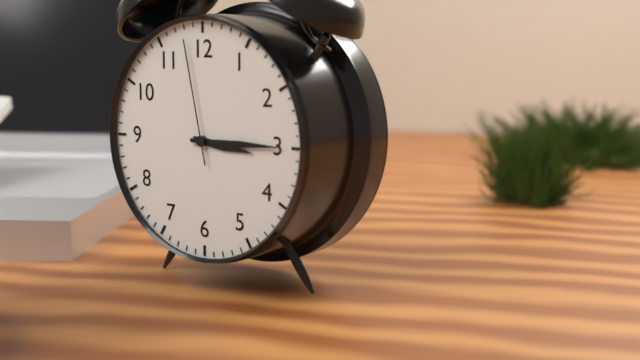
3.15.58
